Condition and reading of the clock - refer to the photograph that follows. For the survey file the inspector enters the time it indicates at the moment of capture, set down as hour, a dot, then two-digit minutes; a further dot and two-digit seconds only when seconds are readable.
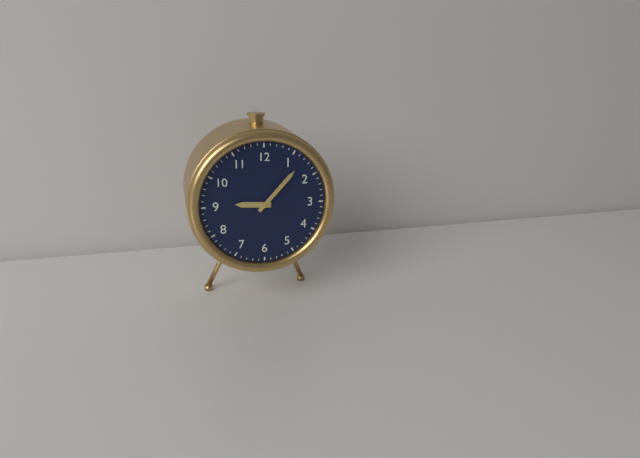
9.07
